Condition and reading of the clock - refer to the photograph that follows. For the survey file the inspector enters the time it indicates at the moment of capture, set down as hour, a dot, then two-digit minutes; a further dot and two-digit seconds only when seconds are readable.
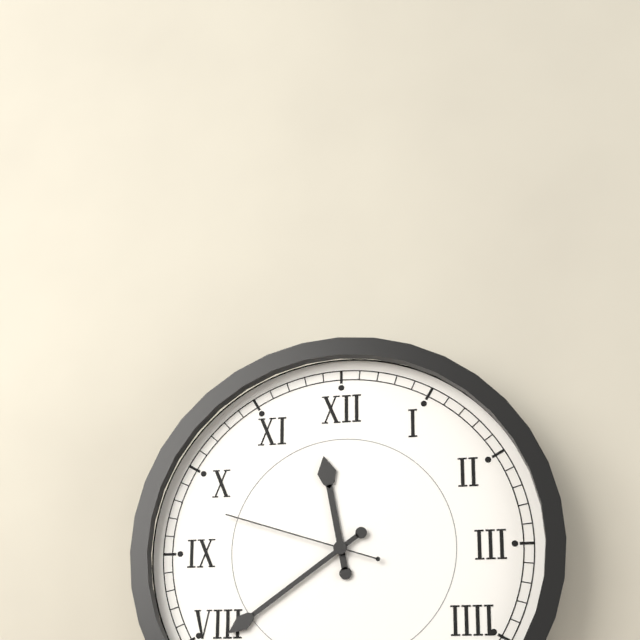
11.39.48
